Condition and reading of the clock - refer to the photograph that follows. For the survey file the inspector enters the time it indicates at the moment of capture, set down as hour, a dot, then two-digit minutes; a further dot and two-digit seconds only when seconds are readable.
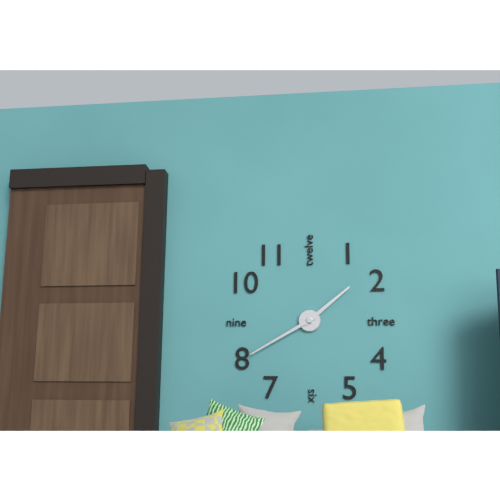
1.40
